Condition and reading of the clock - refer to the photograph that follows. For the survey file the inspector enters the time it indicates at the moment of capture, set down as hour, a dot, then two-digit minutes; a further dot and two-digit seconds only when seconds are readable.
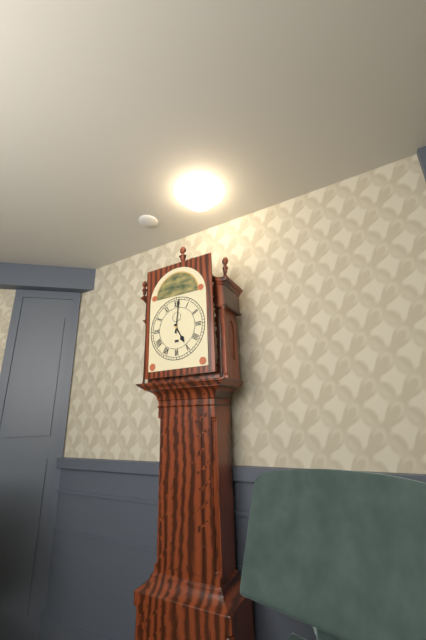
5.01
